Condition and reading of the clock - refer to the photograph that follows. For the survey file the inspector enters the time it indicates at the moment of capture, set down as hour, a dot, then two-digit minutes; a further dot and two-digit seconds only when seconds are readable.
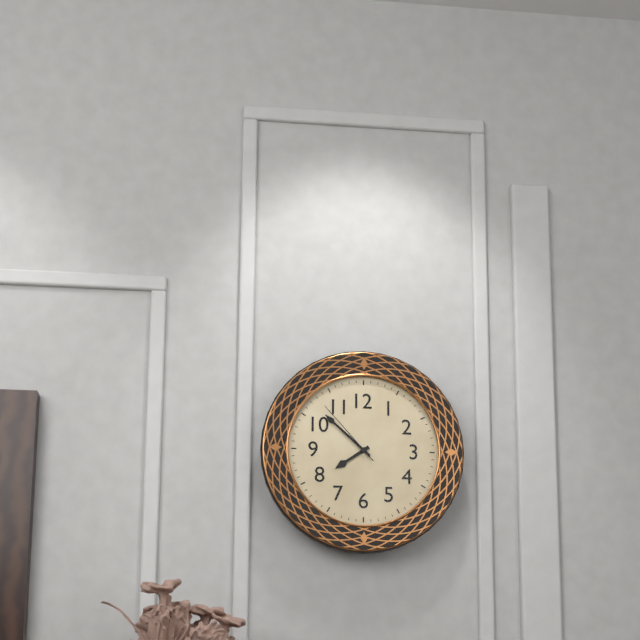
7.52.53
